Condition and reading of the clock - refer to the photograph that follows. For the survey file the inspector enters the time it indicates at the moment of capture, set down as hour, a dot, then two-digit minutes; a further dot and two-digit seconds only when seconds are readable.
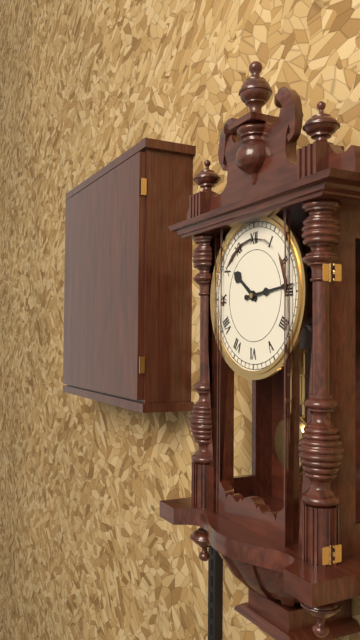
10.14
